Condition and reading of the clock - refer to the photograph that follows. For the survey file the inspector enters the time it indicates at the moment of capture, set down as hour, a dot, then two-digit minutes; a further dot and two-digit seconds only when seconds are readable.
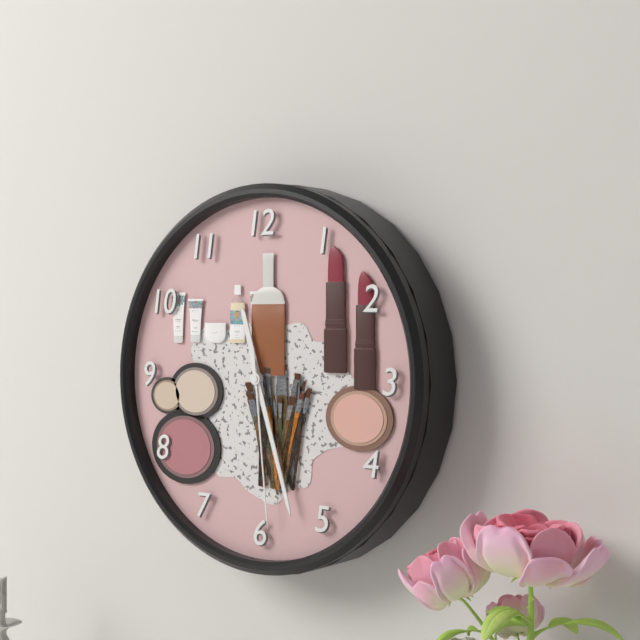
11.27.29
